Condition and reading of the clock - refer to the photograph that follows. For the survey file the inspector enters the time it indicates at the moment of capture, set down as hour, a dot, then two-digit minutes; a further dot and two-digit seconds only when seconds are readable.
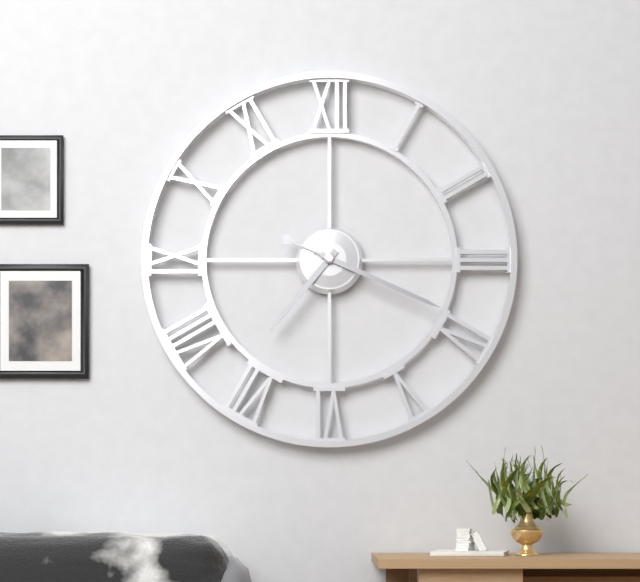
7.19
